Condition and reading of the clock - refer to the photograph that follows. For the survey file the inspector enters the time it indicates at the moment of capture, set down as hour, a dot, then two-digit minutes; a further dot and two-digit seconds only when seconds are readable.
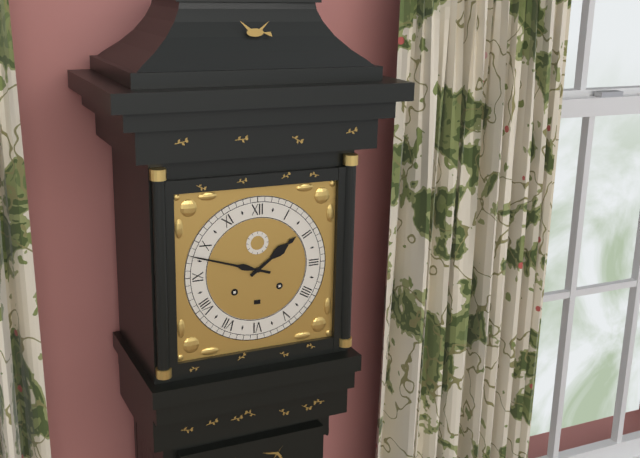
1.48
